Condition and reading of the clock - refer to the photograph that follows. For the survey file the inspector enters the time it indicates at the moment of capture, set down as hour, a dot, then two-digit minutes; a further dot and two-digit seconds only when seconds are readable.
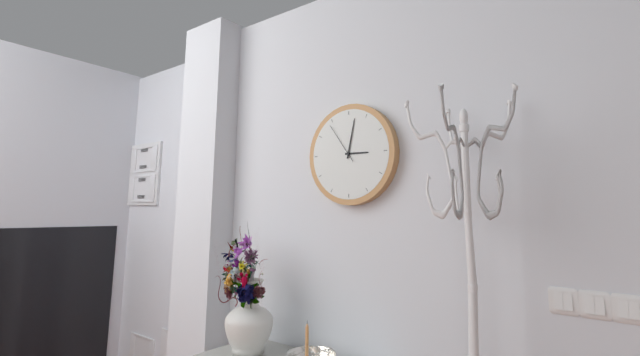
3.02
